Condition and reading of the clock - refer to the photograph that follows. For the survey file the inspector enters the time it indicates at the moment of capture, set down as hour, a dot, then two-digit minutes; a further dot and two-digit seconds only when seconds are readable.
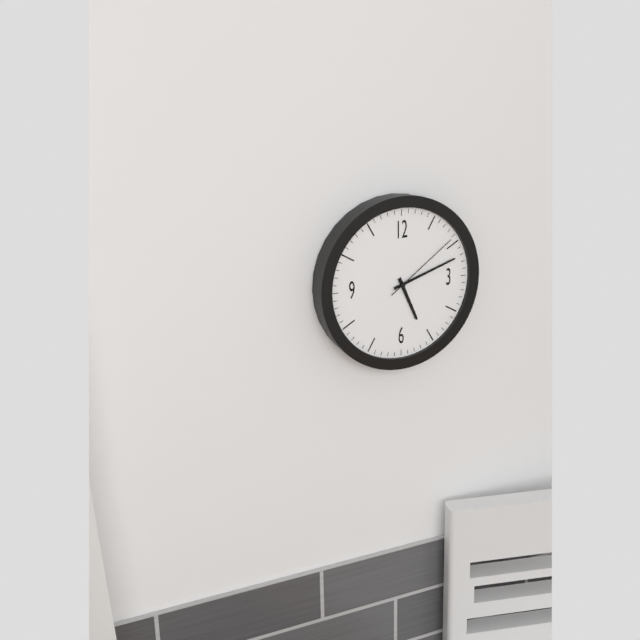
5.12.09
